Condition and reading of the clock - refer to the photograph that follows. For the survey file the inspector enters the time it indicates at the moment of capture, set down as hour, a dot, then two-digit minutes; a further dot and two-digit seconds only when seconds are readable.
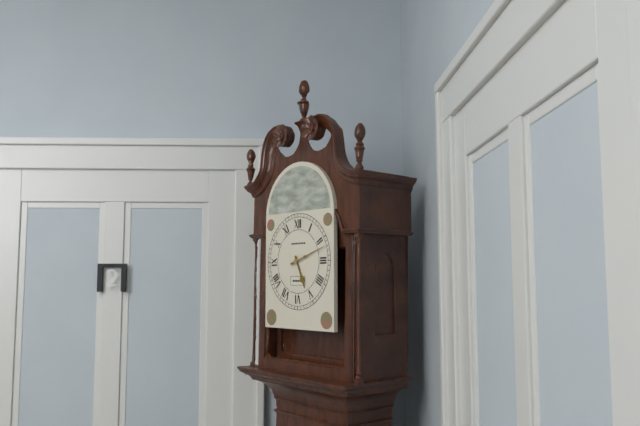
5.12
